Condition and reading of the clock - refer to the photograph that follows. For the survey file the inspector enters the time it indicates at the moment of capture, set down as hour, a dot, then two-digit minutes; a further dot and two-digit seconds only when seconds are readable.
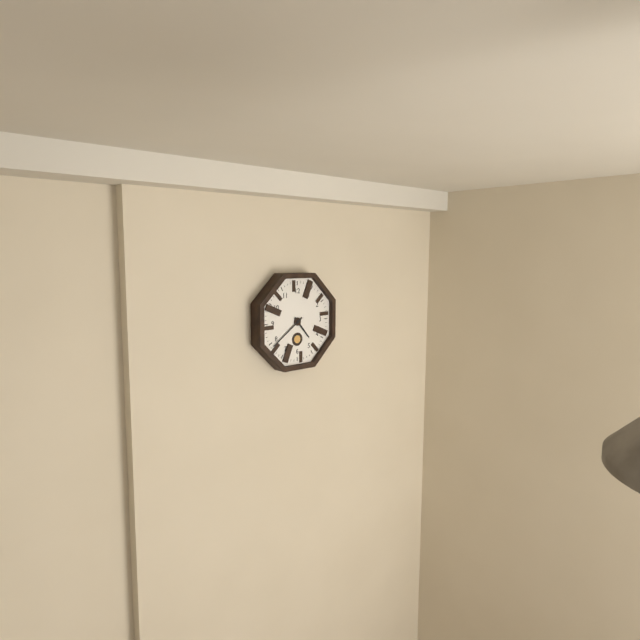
4.39
